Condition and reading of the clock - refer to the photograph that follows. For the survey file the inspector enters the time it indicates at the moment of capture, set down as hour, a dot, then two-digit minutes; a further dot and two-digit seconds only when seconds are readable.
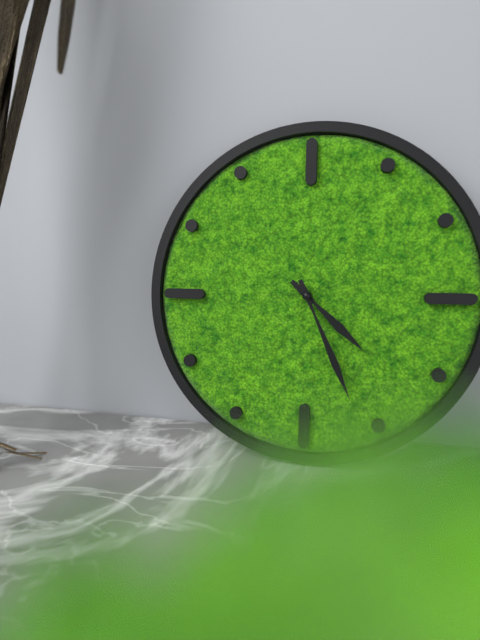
4.26
